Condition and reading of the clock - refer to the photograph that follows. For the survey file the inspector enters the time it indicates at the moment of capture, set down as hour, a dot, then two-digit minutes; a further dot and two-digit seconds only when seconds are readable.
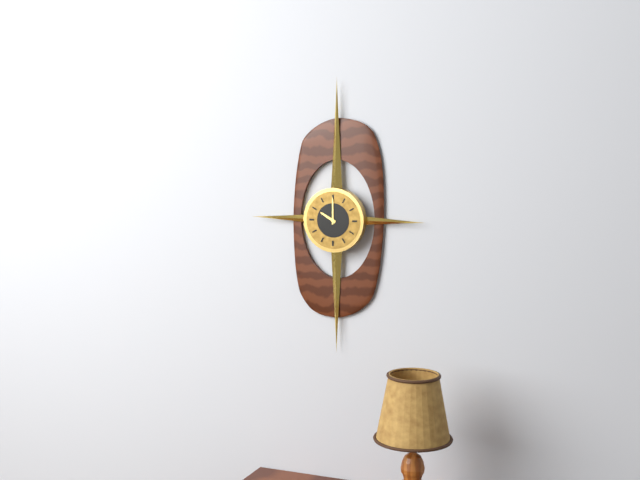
10.00
